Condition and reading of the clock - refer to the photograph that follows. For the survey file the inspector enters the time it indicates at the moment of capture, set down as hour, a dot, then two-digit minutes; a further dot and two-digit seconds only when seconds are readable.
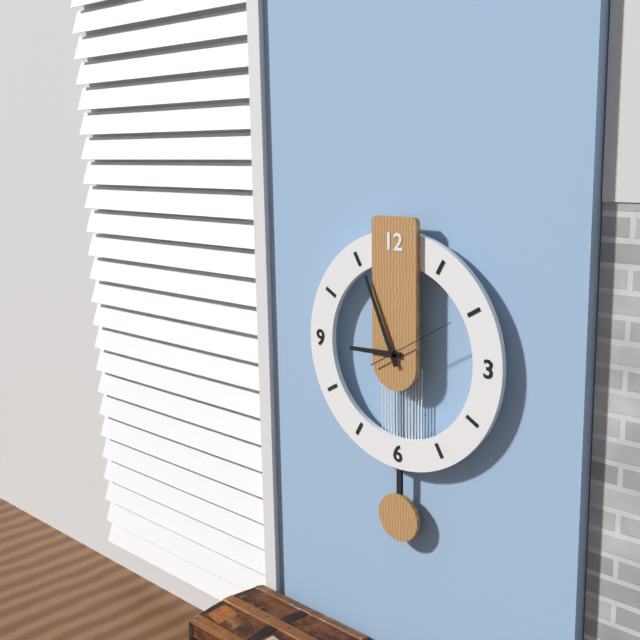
8.56.10
